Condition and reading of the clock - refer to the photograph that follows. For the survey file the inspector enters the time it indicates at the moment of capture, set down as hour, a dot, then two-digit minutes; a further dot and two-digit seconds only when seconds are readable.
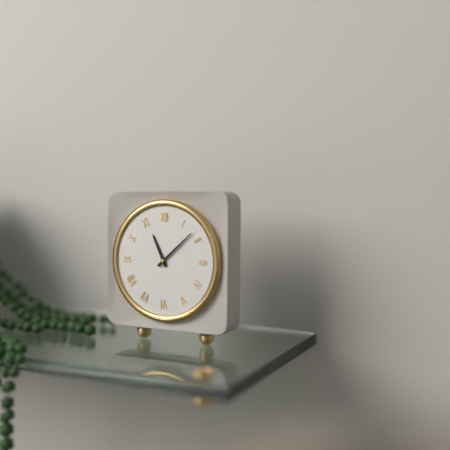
11.08
